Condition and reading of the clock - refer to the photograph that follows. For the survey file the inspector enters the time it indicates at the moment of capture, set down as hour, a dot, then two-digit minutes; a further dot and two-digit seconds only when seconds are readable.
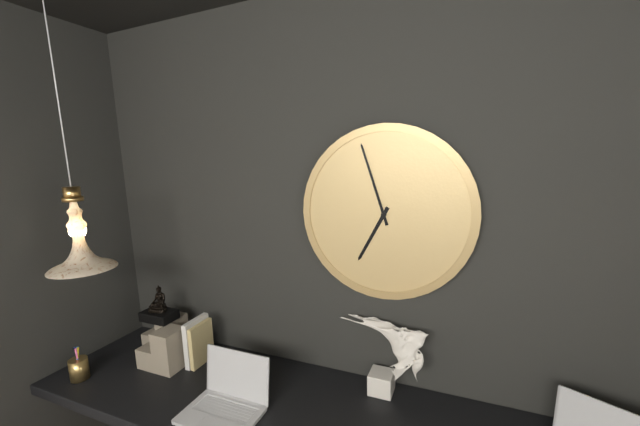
6.57
